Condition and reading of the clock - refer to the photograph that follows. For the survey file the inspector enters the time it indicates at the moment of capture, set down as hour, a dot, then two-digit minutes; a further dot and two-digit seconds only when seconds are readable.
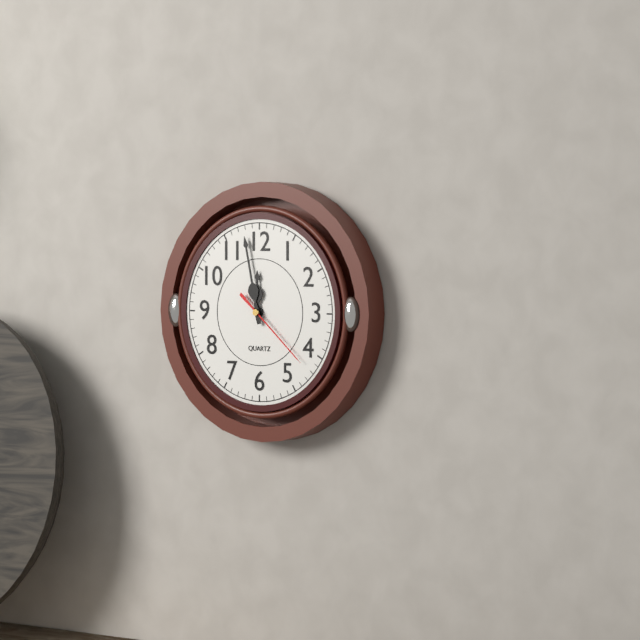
11.58.22
